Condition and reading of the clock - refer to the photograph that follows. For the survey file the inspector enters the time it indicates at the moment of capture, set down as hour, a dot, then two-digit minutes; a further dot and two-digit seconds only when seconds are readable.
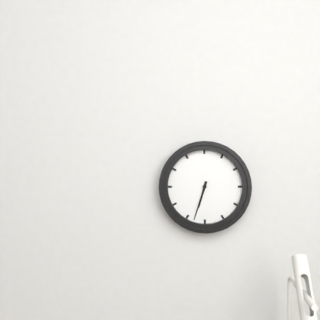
6.33
